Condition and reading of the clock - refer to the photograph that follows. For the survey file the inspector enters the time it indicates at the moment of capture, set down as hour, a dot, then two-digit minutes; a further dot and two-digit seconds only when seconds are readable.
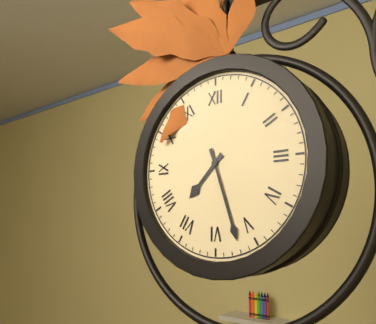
7.27
